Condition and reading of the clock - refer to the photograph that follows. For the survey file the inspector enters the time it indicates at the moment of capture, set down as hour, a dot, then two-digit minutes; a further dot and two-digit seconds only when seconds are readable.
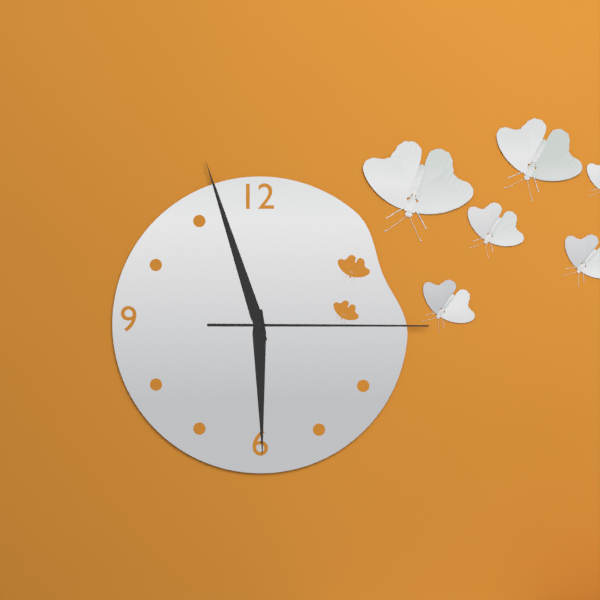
5.57.15
